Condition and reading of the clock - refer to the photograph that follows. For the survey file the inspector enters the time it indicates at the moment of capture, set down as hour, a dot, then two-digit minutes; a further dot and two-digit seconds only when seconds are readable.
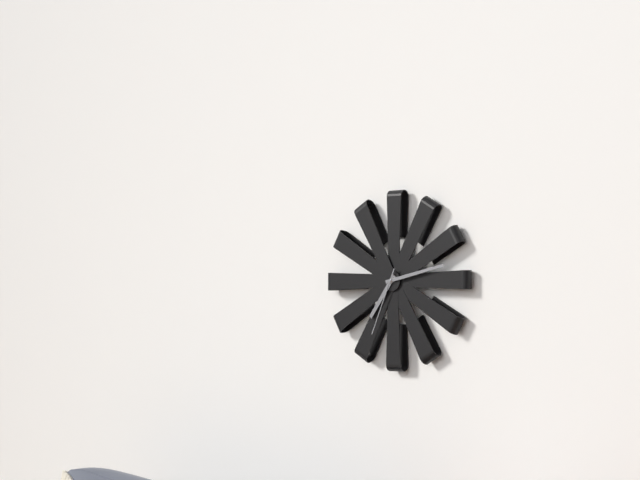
7.13.34
